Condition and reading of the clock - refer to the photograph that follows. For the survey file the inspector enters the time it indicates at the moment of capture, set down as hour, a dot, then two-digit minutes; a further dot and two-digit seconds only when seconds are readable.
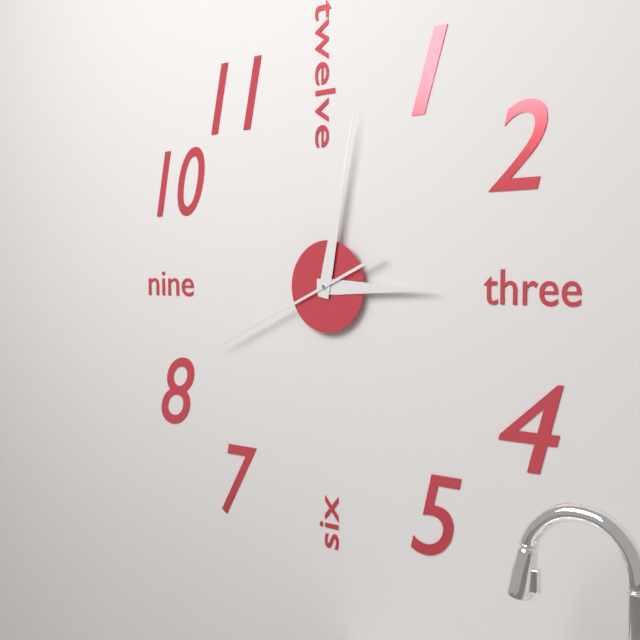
3.02.41
